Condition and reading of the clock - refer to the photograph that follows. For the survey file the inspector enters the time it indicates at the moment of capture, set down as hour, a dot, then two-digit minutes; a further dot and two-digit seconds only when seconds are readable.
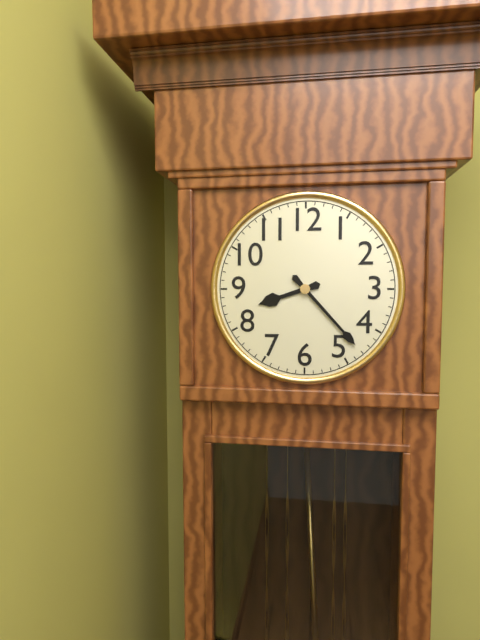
8.23
